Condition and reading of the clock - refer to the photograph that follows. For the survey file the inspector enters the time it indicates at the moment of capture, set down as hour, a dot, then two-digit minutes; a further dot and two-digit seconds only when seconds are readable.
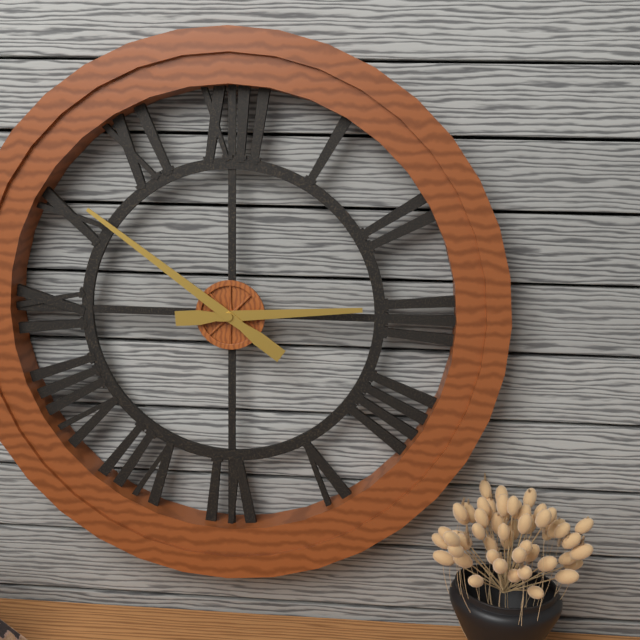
2.51
